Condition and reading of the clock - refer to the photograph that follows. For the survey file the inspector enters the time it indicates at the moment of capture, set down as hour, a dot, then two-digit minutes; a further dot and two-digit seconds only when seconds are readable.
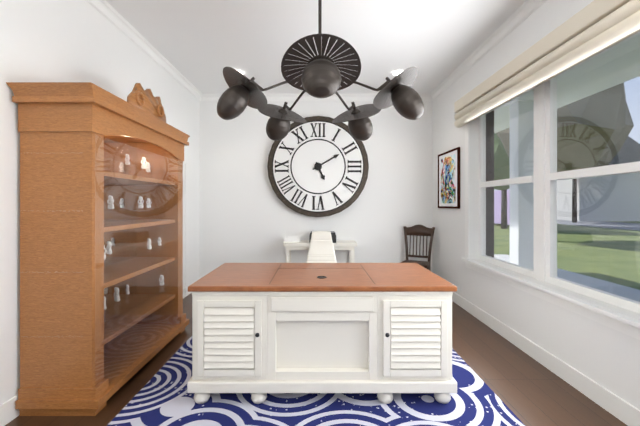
5.10
